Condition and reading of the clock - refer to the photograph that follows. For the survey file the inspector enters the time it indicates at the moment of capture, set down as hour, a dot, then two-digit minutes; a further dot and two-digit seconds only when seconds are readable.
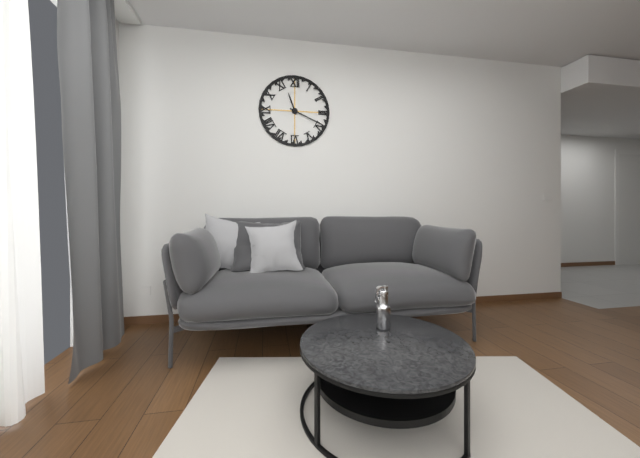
11.19
